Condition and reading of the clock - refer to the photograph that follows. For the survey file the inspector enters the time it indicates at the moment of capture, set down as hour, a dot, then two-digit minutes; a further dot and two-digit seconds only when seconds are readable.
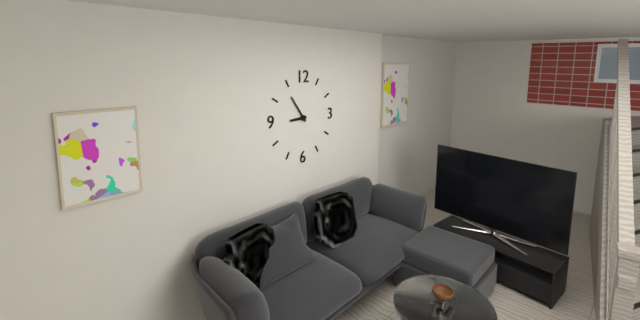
8.54
